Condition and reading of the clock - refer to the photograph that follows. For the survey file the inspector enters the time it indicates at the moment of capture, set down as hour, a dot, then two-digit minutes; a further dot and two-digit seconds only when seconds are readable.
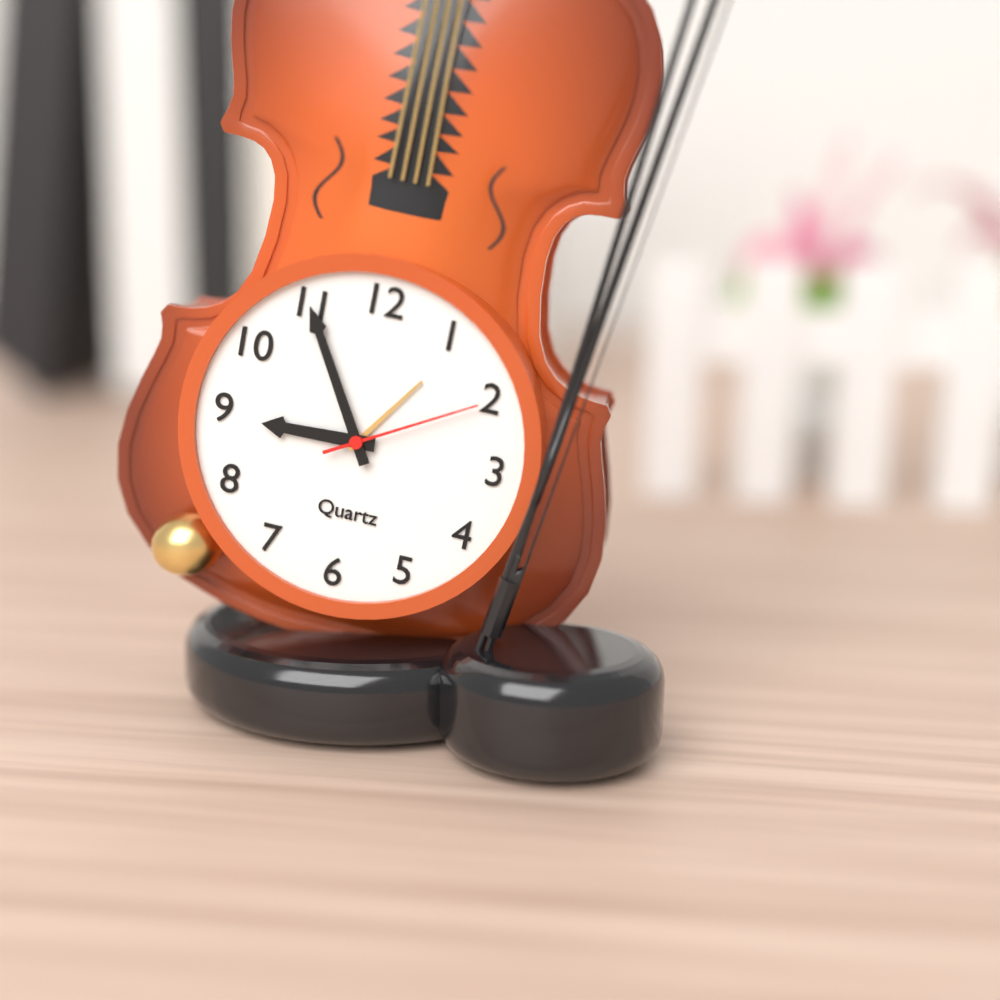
8.55.10
